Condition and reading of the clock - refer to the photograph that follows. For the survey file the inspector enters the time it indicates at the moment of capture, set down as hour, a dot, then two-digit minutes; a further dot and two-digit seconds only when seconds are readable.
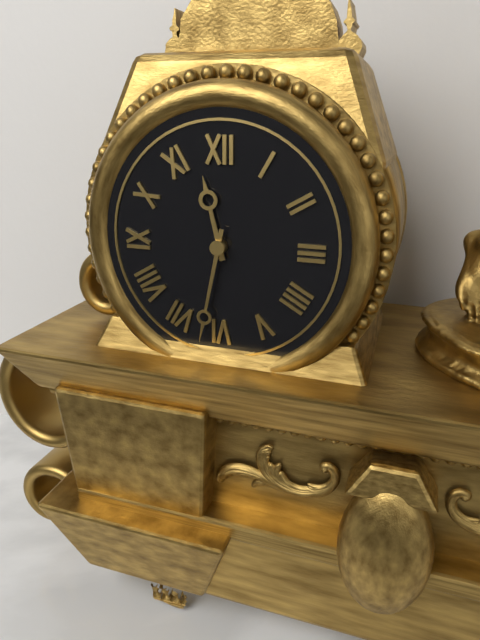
11.32
